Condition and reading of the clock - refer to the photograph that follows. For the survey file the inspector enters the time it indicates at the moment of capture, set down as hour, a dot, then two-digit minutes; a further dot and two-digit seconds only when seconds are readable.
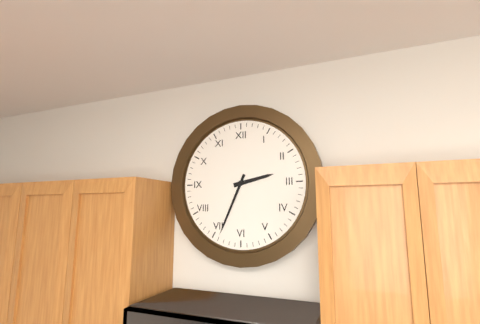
2.34
